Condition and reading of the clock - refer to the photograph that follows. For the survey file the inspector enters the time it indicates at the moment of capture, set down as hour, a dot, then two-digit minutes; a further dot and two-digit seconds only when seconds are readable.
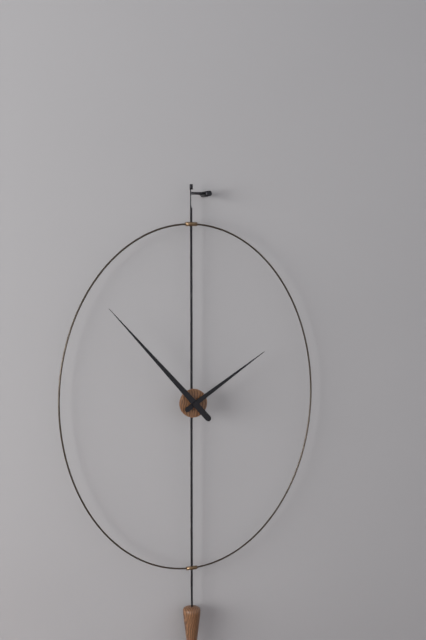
1.53
